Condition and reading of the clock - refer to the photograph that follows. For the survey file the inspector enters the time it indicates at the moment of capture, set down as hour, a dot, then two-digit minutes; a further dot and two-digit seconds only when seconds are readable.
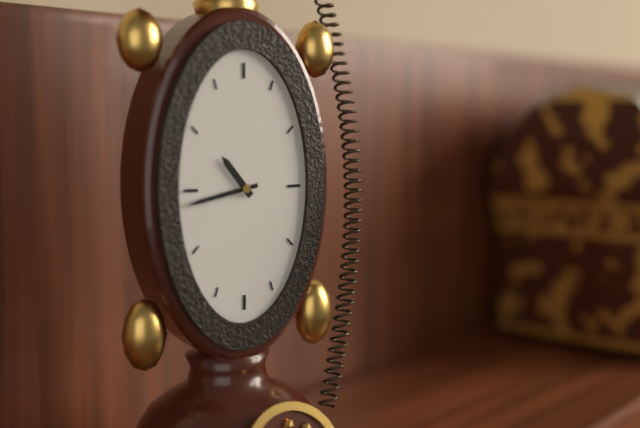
10.43
